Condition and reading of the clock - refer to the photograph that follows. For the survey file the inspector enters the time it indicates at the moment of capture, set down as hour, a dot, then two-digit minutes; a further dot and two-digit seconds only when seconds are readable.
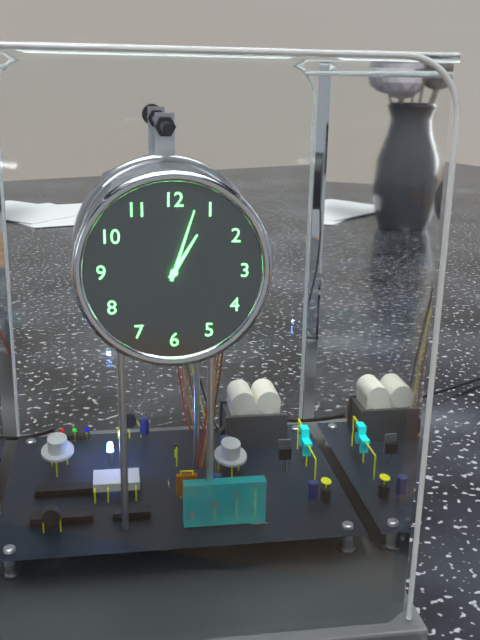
1.03
